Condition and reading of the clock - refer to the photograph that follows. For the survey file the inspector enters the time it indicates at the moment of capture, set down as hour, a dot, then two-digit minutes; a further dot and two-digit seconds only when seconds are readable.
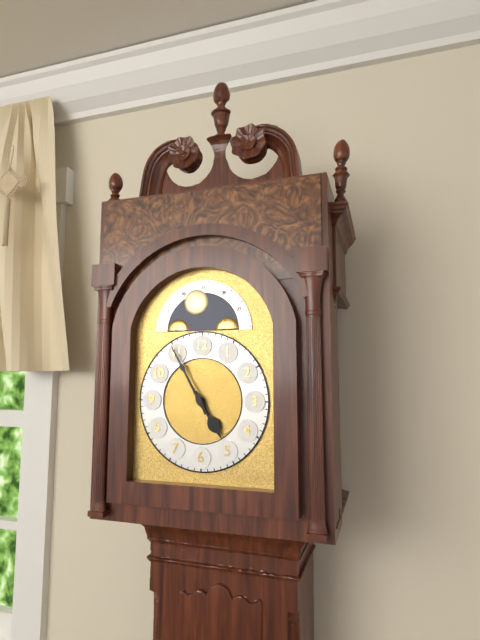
4.55
